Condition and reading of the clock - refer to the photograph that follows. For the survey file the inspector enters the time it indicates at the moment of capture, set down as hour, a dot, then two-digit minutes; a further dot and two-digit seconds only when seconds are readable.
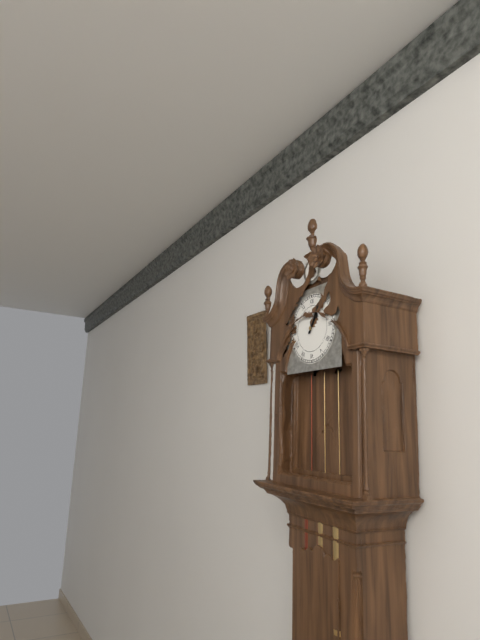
1.05
